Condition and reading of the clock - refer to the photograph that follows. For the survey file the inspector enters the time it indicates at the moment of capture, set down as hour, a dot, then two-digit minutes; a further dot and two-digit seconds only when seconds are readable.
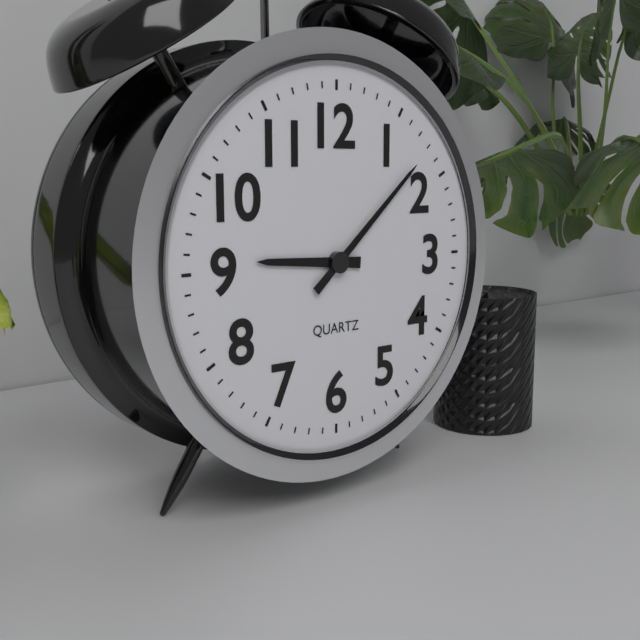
9.08
